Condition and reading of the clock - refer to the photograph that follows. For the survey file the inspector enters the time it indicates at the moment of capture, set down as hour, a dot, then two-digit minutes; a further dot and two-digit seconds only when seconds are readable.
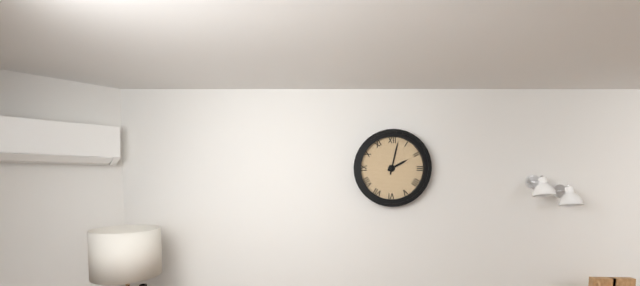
2.02
